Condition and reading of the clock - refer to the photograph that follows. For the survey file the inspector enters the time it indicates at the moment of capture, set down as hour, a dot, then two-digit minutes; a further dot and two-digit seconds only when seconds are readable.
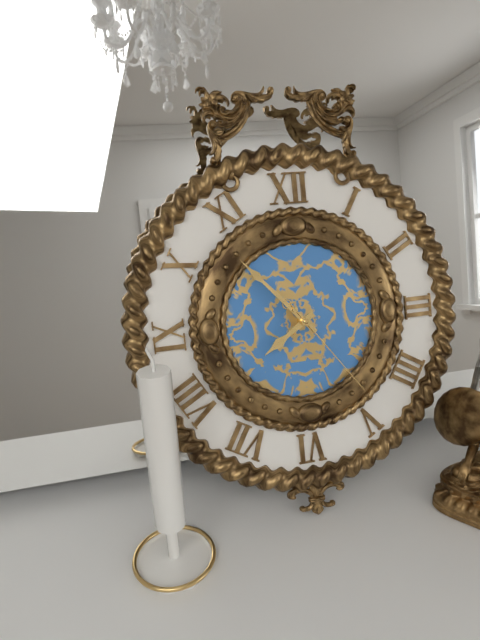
7.53.24
